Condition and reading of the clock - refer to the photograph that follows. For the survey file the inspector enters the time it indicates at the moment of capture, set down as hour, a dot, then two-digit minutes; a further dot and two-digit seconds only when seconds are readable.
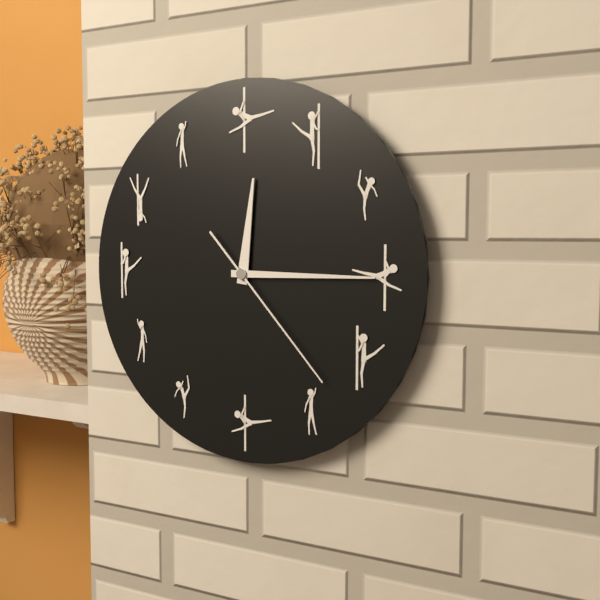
12.15.23
